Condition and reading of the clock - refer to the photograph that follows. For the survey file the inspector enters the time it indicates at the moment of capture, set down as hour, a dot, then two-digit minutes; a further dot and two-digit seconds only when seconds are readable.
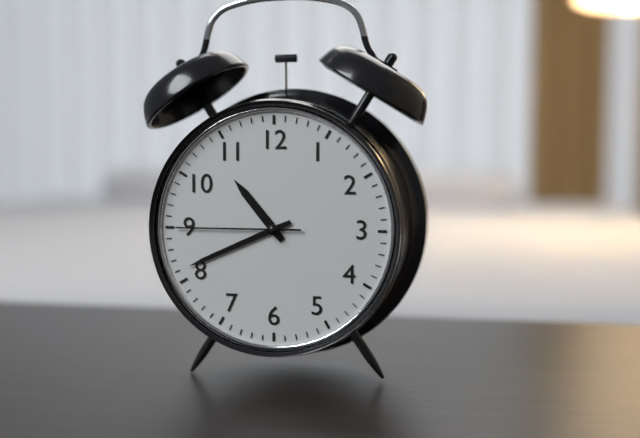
10.41.45
